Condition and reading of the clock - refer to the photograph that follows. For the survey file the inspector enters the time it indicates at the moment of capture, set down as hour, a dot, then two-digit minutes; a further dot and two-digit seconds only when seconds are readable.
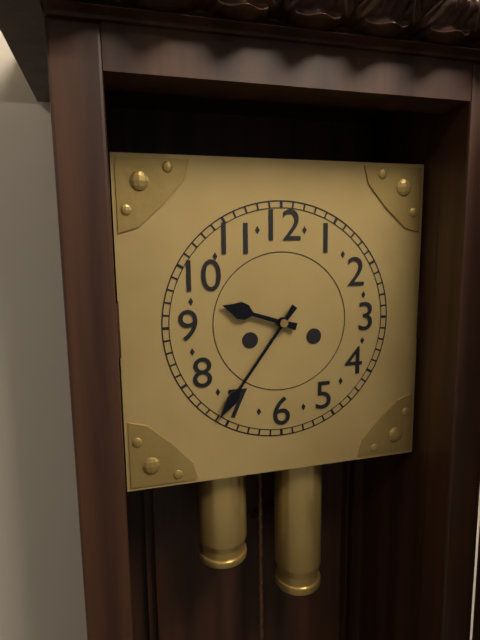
9.36
